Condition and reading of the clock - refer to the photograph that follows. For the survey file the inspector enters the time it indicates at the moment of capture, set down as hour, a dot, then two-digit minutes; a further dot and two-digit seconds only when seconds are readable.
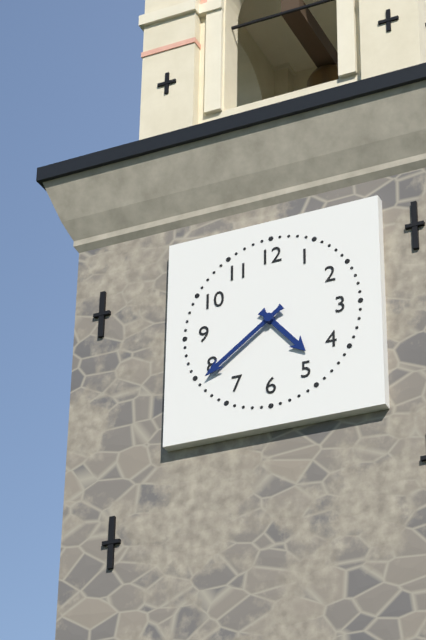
4.39
